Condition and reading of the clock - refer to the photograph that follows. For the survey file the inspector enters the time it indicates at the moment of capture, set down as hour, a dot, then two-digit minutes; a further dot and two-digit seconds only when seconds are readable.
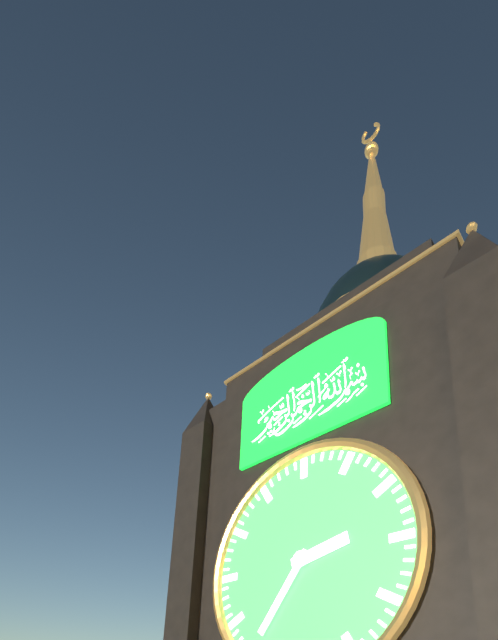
2.36
